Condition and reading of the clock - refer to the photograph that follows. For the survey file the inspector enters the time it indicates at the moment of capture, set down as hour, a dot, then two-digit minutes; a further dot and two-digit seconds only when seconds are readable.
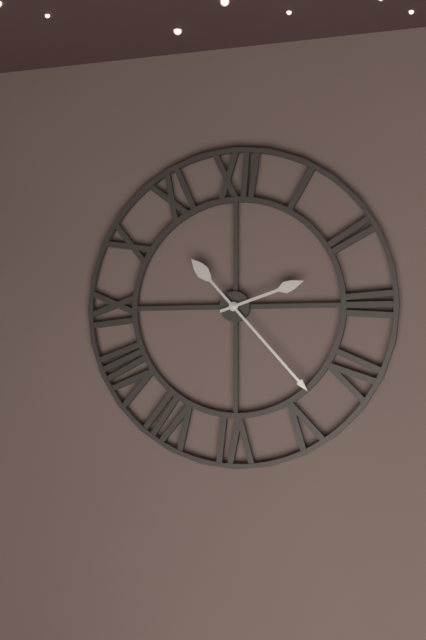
2.23
